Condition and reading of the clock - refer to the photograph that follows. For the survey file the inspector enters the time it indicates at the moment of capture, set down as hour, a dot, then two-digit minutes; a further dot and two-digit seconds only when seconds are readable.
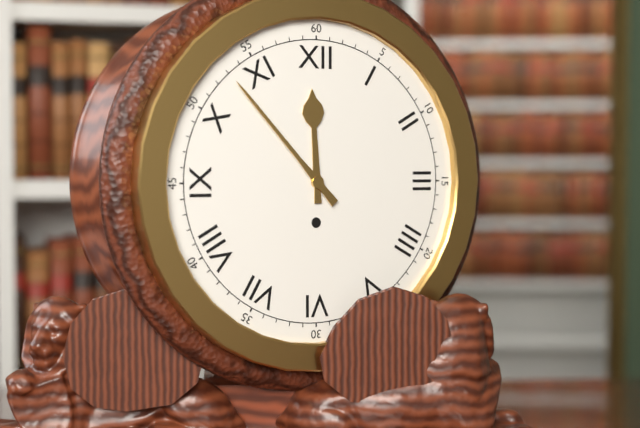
11.53
